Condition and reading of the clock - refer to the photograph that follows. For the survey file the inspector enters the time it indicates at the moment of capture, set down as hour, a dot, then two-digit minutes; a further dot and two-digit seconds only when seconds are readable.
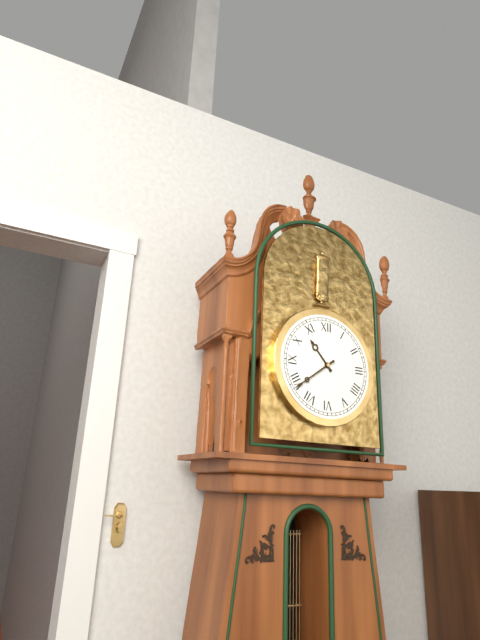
10.39
